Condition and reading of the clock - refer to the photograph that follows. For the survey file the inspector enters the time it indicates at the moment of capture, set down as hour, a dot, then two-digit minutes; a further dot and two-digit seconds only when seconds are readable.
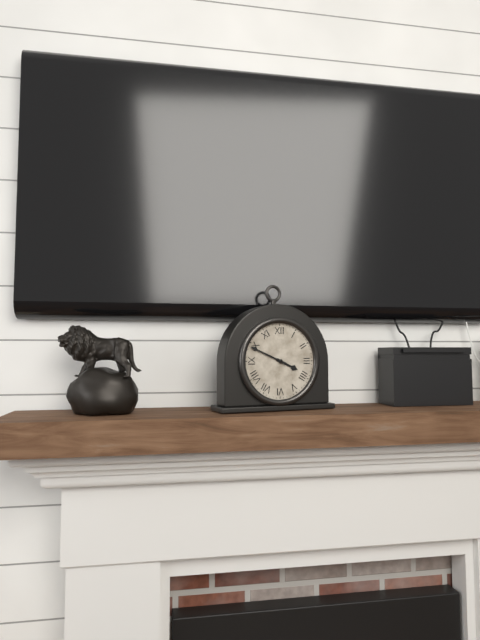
3.49
